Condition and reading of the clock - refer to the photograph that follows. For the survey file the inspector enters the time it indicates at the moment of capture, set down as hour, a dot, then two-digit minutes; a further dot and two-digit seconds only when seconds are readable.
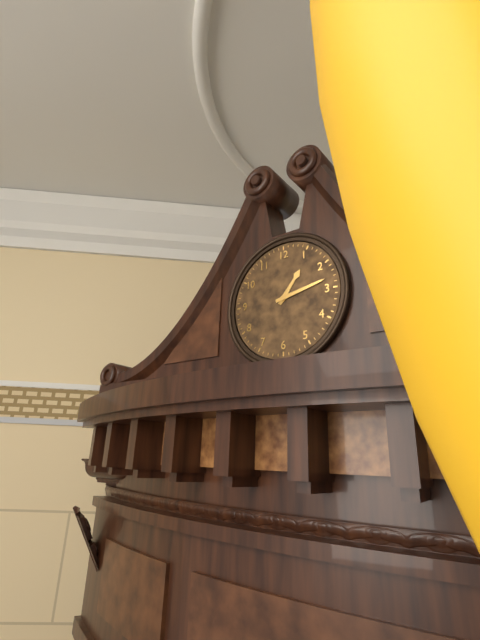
1.13
